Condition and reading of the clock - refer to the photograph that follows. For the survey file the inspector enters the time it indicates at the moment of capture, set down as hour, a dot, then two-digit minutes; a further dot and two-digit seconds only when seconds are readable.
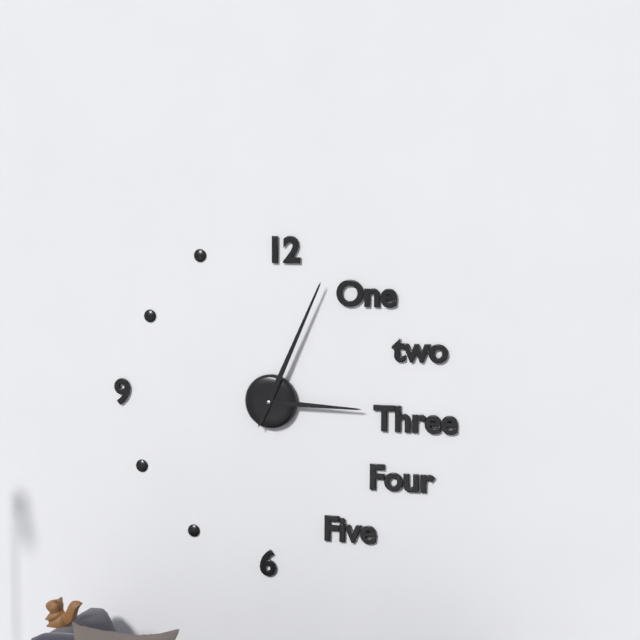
3.04
